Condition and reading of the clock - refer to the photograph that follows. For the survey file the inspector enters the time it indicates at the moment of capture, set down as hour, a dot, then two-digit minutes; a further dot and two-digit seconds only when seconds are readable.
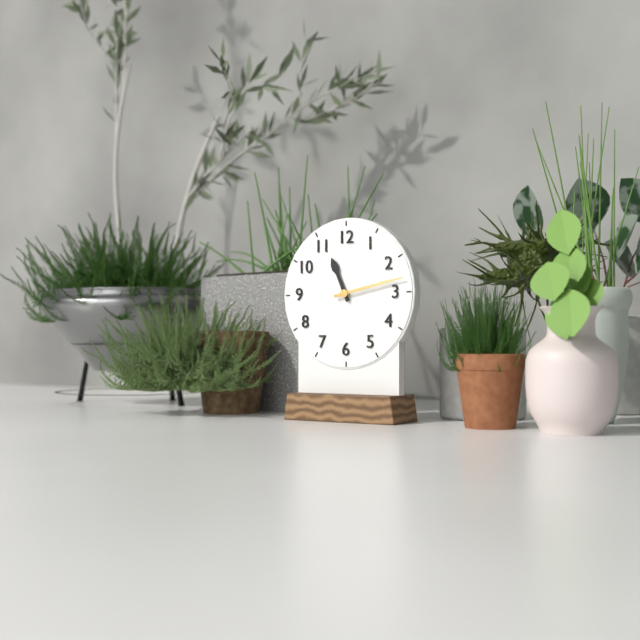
11.13
